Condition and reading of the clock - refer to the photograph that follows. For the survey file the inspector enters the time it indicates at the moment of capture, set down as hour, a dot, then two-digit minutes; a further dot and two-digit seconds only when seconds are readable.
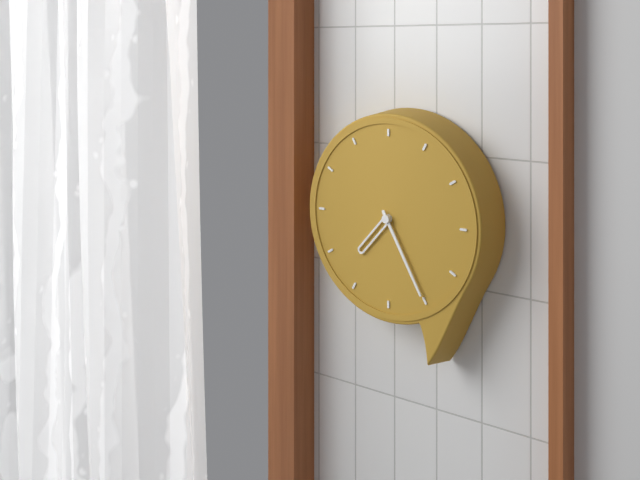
7.25
